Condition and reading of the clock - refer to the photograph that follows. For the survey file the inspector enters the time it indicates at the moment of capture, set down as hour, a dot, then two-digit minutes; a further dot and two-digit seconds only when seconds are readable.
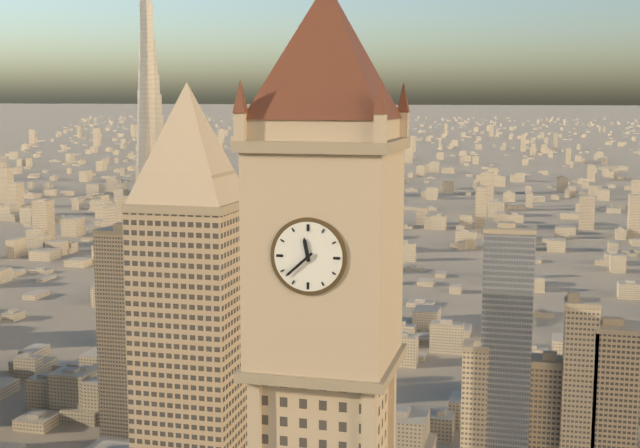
11.38
